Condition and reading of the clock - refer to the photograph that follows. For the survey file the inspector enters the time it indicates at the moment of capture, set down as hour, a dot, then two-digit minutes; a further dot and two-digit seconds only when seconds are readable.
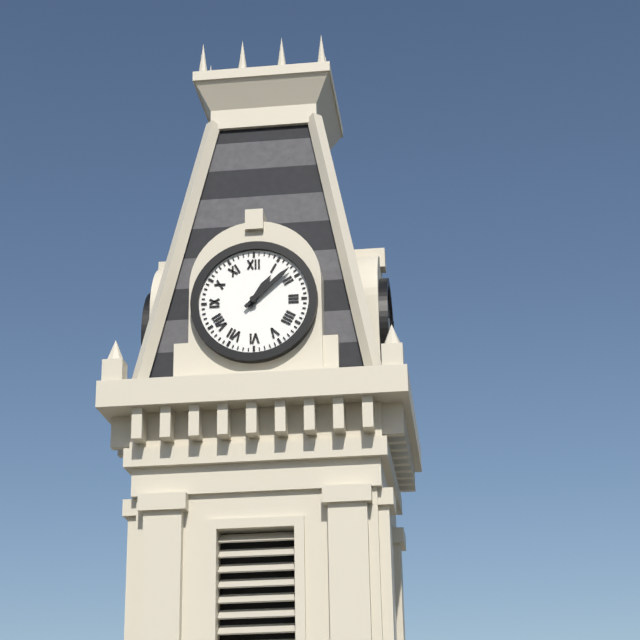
1.08
